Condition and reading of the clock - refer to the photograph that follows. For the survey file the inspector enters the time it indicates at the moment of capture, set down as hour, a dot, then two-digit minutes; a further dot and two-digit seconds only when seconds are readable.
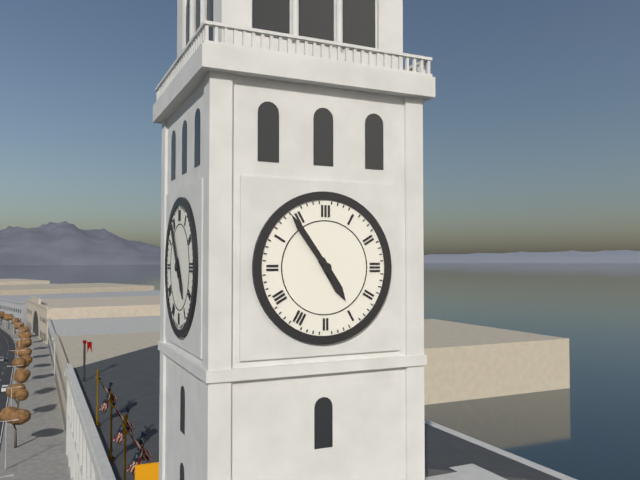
4.54
